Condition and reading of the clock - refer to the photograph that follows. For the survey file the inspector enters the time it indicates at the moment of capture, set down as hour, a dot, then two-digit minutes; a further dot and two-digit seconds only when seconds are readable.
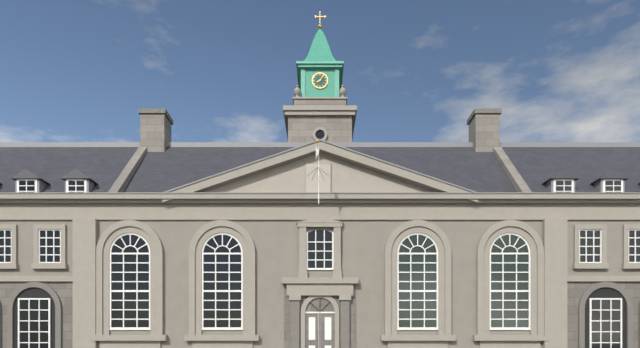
8.06
